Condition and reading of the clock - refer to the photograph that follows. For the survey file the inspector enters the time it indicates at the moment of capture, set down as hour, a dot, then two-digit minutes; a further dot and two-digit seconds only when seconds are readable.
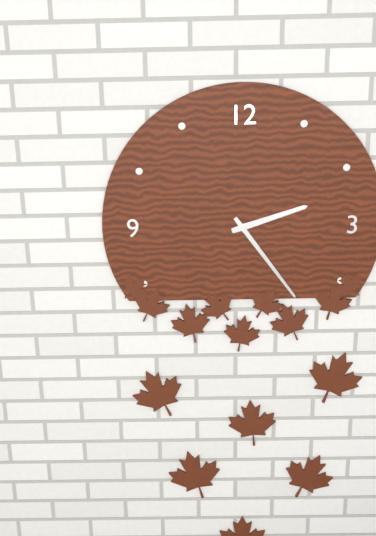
2.24
